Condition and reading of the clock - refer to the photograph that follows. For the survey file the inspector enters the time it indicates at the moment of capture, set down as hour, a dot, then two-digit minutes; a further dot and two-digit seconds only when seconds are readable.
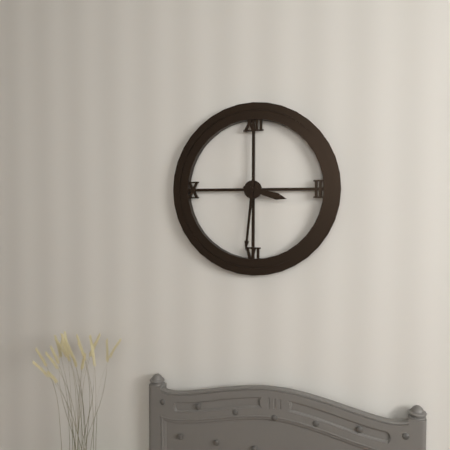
3.31
